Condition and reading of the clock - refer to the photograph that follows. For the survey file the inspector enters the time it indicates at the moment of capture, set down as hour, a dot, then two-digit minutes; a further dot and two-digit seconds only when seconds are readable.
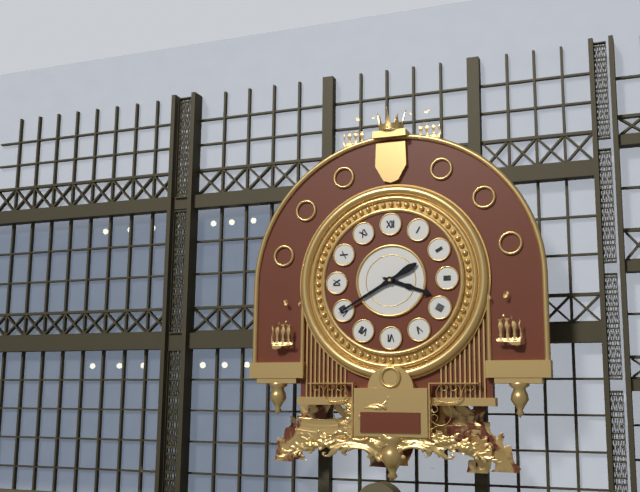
3.40
